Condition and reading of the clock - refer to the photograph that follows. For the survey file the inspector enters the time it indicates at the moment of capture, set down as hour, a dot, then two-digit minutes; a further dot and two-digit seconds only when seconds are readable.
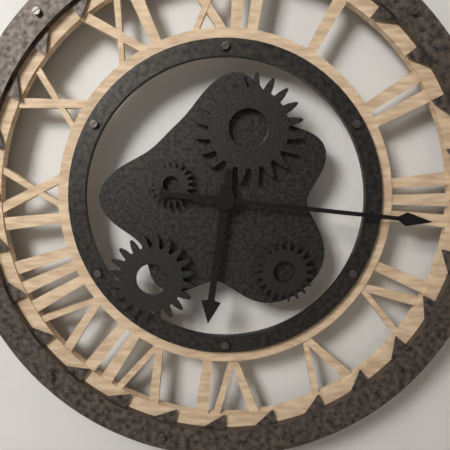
6.16
